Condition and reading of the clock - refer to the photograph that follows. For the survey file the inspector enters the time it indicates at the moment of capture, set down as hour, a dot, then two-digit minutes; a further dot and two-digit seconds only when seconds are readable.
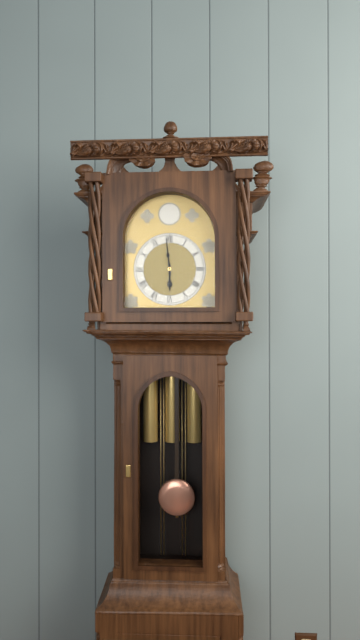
5.59
